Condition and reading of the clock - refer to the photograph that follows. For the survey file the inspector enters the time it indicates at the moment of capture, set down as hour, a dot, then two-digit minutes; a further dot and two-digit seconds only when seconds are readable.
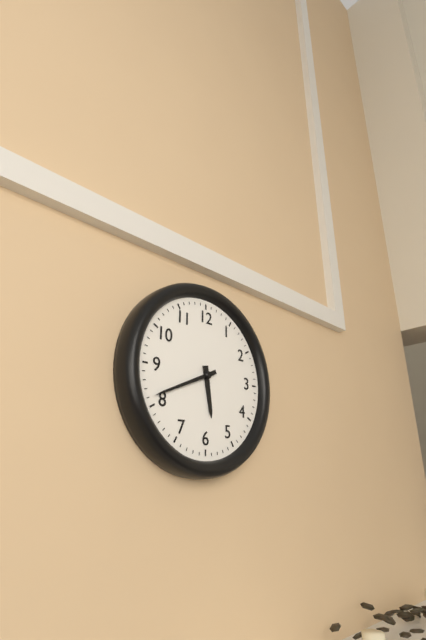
5.41
